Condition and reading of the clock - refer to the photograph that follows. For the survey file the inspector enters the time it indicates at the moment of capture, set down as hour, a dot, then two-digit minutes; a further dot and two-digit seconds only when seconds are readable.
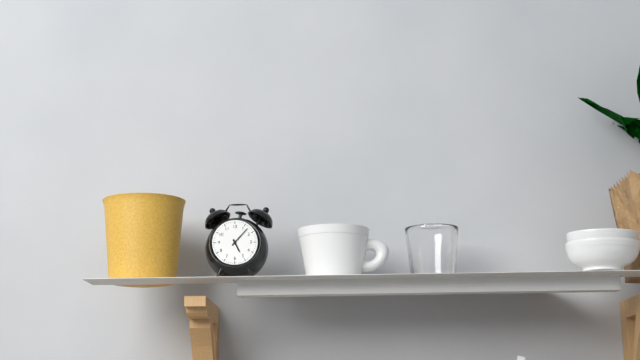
5.07
